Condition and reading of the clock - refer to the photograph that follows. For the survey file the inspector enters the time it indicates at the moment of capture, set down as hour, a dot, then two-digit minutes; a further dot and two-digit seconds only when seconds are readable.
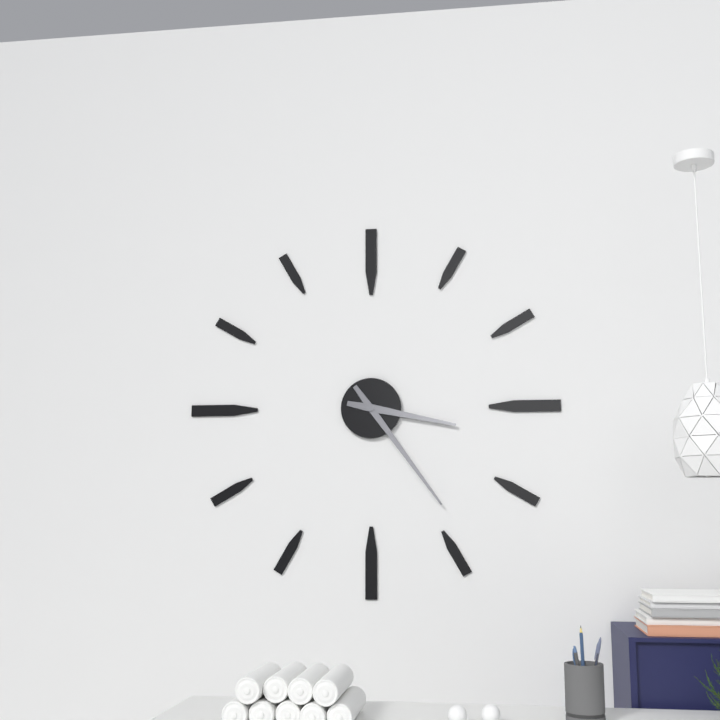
3.24
